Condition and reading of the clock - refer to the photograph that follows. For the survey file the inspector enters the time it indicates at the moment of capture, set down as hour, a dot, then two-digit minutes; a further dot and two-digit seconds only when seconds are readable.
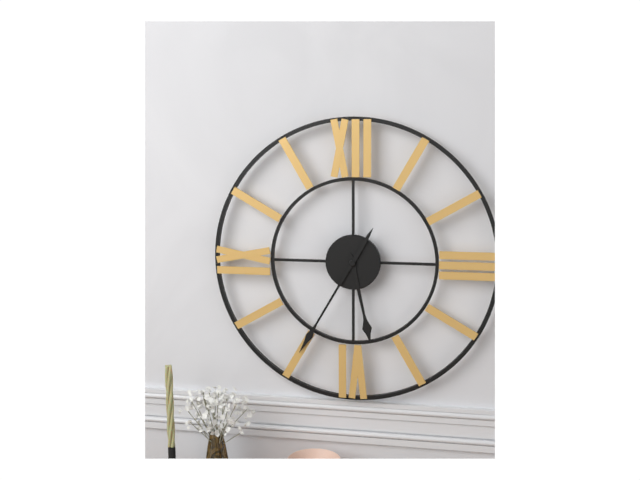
5.35
